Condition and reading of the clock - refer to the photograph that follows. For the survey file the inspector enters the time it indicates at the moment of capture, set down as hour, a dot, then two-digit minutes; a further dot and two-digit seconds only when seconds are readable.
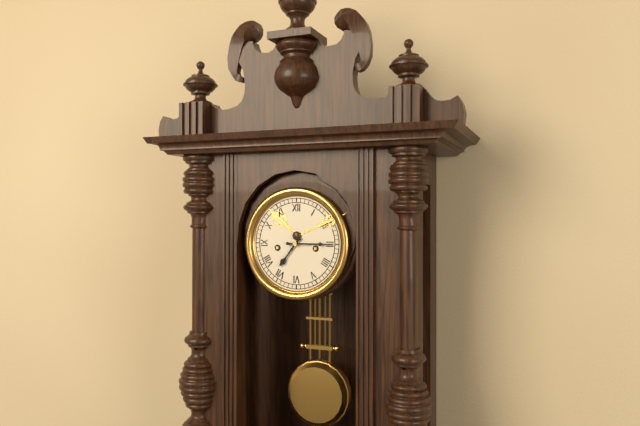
7.15
